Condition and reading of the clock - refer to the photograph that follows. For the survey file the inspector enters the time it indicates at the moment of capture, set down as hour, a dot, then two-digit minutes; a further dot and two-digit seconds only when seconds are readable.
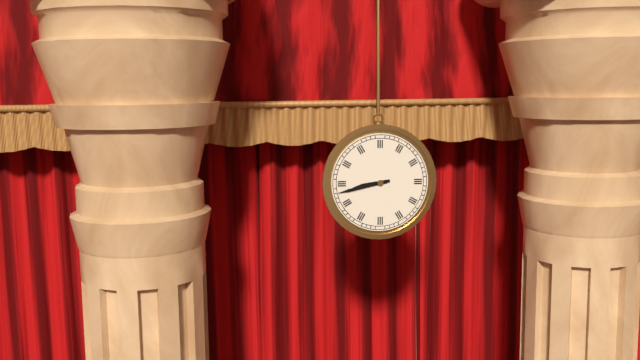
8.43
